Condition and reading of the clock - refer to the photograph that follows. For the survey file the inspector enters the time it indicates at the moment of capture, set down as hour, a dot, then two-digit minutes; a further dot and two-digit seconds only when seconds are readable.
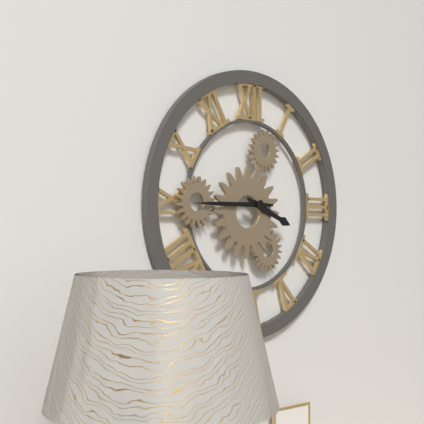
3.45
